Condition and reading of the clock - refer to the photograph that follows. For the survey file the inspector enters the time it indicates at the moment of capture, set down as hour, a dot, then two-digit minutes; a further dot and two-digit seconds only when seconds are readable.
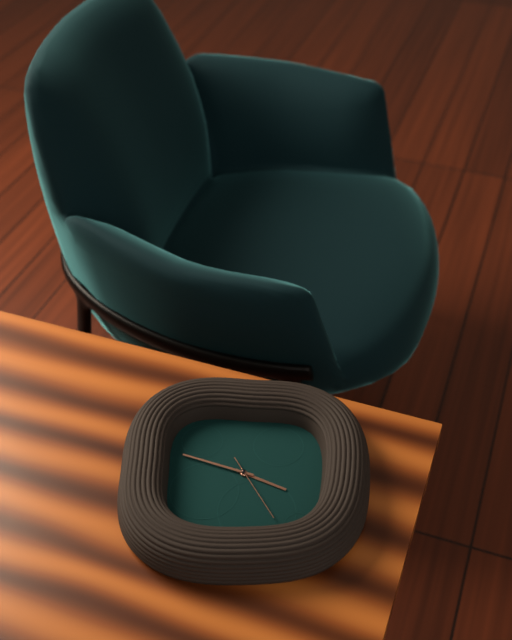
3.48.25
